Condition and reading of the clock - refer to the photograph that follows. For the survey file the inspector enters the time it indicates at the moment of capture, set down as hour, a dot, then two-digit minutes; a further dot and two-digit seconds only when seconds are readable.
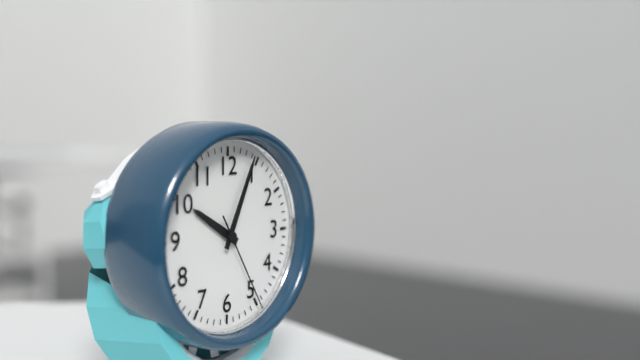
10.04.25
